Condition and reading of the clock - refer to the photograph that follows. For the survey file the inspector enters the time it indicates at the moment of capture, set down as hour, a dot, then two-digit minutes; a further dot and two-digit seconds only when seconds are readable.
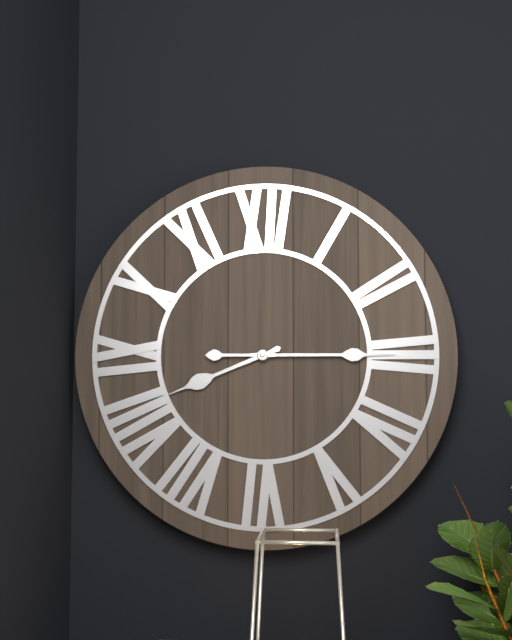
8.15
